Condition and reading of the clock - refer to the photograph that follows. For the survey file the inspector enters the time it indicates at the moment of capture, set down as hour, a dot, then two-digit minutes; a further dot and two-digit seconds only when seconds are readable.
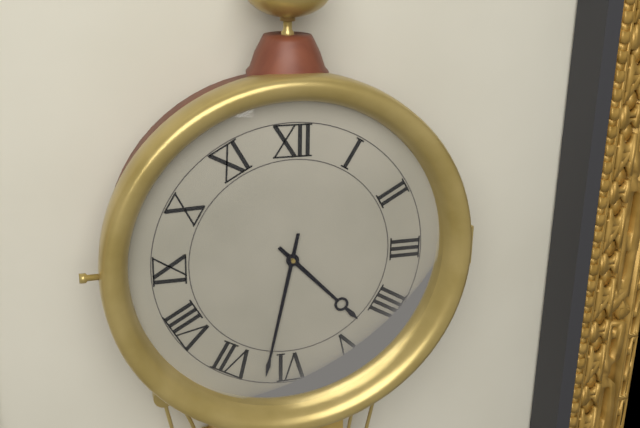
4.32
